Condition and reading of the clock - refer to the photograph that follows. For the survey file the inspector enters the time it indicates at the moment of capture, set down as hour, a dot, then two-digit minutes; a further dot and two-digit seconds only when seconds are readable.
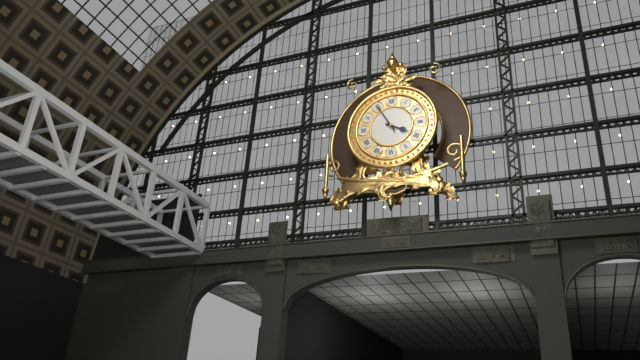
3.55
